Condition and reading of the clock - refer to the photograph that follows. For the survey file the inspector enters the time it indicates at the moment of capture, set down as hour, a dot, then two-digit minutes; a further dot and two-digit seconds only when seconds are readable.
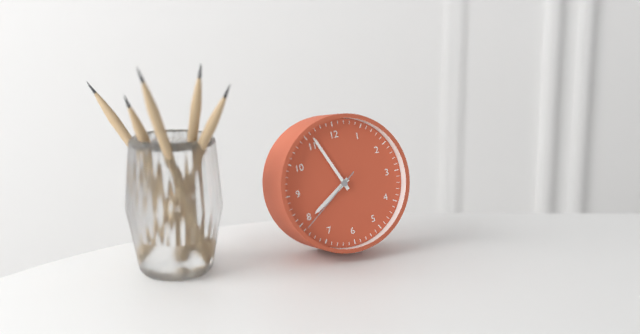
7.56.39
